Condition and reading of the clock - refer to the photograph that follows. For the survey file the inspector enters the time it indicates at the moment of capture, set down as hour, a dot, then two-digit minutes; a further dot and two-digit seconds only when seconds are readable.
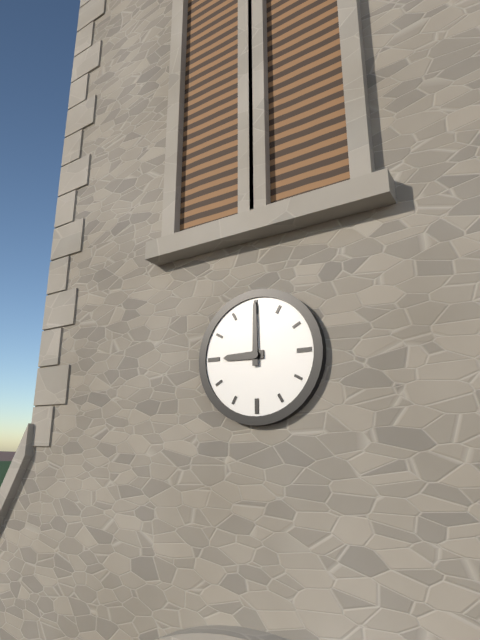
9.00
